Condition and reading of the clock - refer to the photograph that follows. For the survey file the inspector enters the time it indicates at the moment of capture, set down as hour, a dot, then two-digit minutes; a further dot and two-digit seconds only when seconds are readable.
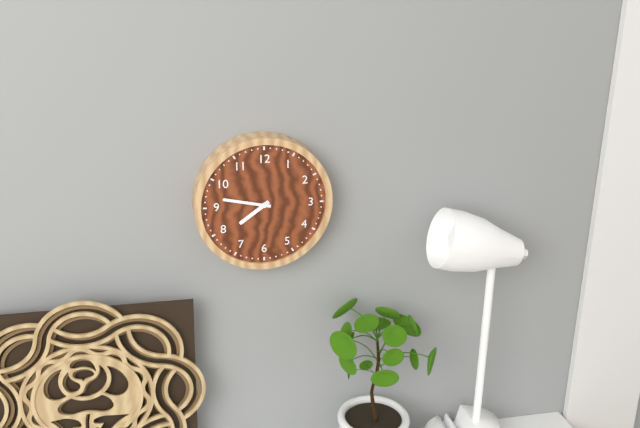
7.47
